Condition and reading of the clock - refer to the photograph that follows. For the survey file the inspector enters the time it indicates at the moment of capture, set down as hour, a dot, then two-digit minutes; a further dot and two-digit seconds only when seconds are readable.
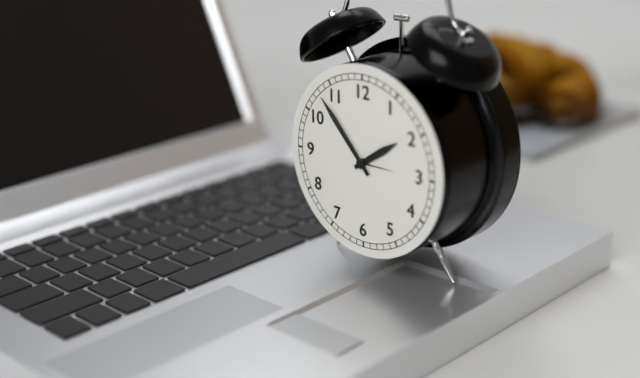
1.53
